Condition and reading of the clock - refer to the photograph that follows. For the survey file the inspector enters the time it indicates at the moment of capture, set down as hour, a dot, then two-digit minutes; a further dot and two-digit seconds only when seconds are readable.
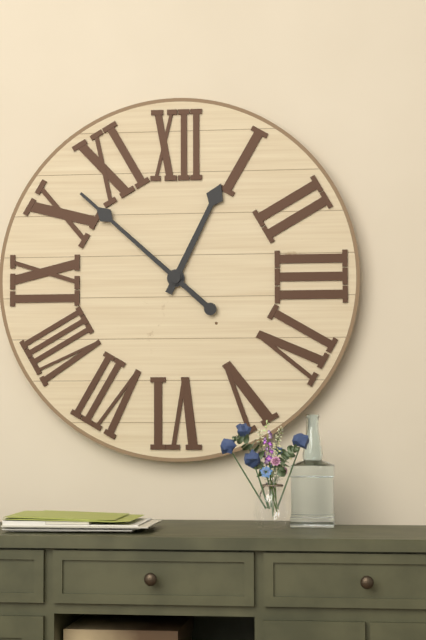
12.52
